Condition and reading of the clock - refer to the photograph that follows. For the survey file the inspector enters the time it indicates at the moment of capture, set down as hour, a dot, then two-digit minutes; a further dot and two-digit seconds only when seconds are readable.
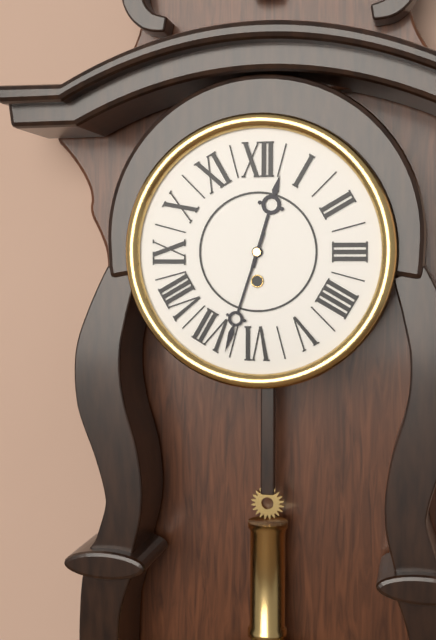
12.33
